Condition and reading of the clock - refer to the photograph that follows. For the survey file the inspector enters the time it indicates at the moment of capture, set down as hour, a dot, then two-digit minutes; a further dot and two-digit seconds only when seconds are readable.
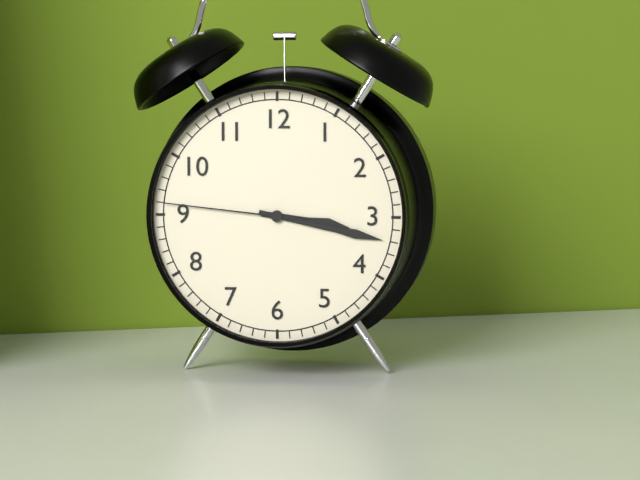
3.17.46
